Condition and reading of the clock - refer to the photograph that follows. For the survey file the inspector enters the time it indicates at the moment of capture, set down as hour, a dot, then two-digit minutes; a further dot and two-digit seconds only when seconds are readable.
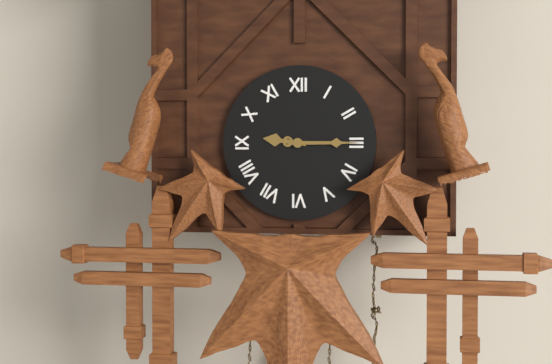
9.15
